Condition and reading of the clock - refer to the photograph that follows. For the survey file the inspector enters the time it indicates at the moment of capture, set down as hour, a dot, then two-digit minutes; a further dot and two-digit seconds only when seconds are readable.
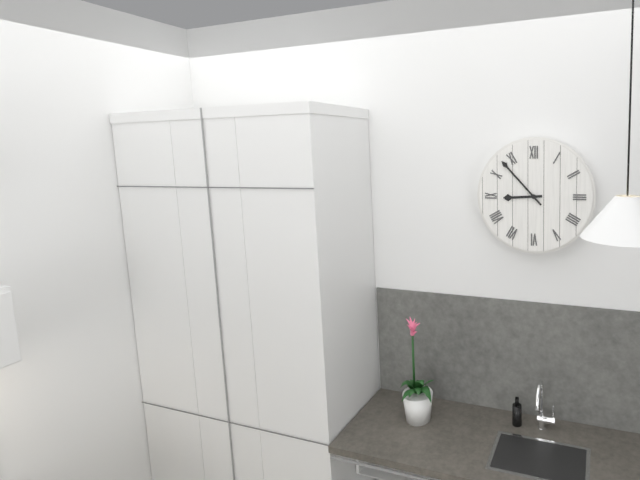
8.53
